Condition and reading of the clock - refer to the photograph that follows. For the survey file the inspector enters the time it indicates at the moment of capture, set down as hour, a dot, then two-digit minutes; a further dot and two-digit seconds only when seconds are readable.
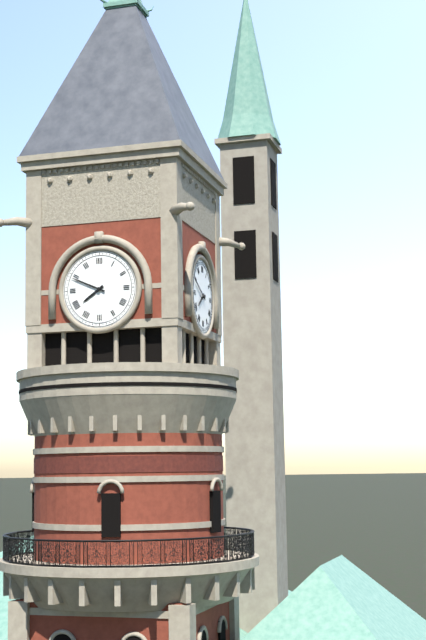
7.49
